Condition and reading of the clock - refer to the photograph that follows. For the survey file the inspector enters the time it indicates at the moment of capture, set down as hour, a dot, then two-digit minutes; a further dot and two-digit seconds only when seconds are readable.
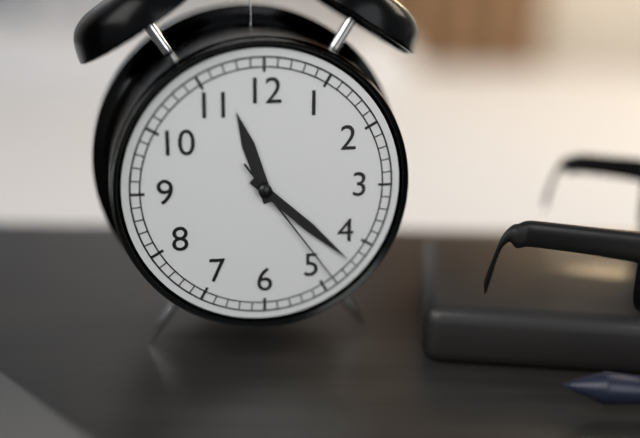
11.22.24
